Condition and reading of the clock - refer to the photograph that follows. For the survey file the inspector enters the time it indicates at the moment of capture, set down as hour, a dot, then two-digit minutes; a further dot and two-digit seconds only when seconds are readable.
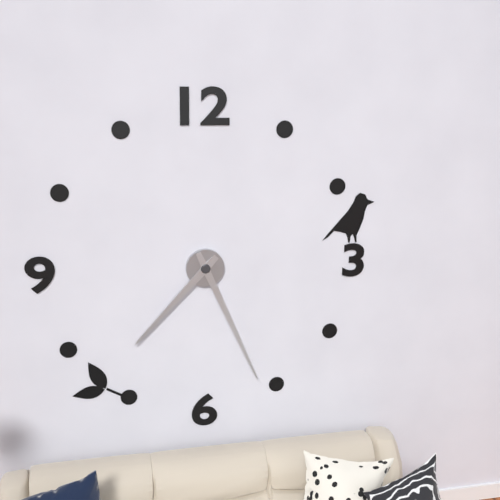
7.26
